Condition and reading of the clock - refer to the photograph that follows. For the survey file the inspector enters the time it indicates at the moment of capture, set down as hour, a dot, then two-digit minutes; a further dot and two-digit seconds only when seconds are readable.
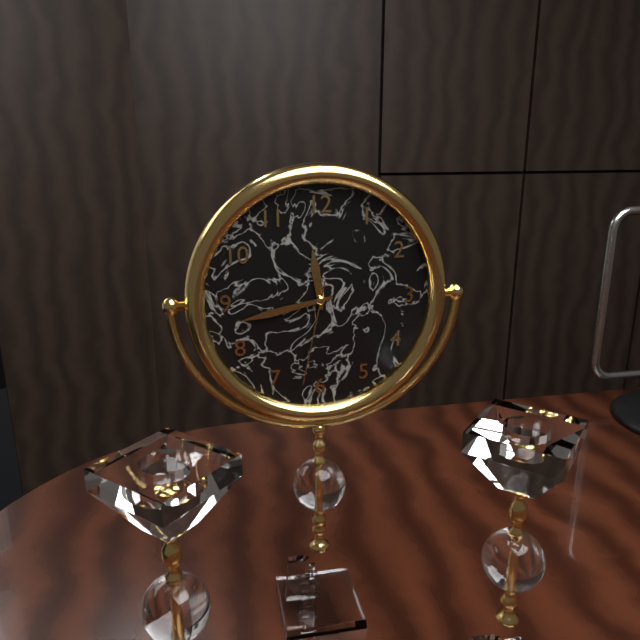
11.43.32
